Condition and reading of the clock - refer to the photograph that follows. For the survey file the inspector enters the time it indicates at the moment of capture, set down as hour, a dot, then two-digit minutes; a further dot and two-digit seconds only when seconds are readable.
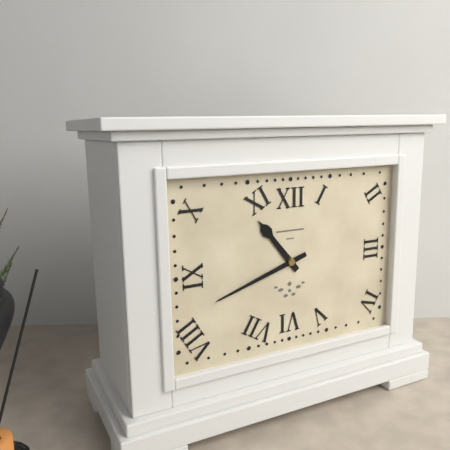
10.42
